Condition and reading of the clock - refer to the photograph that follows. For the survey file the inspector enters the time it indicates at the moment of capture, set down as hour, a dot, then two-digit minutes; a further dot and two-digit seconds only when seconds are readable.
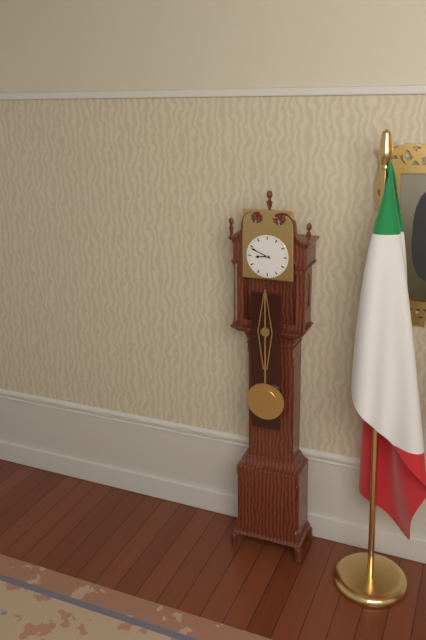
8.49
